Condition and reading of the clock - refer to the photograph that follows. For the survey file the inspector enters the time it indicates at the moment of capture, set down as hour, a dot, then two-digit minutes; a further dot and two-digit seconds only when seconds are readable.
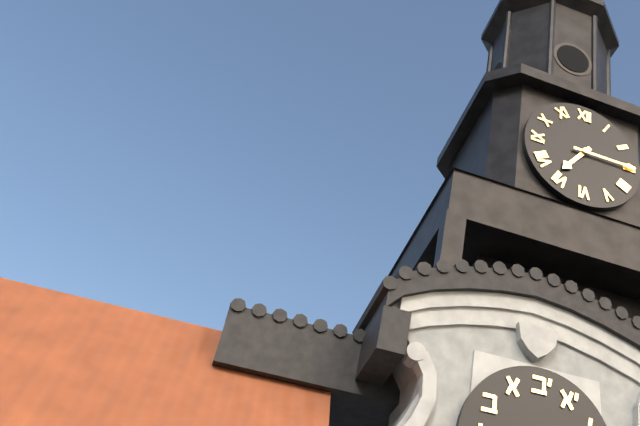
7.15
